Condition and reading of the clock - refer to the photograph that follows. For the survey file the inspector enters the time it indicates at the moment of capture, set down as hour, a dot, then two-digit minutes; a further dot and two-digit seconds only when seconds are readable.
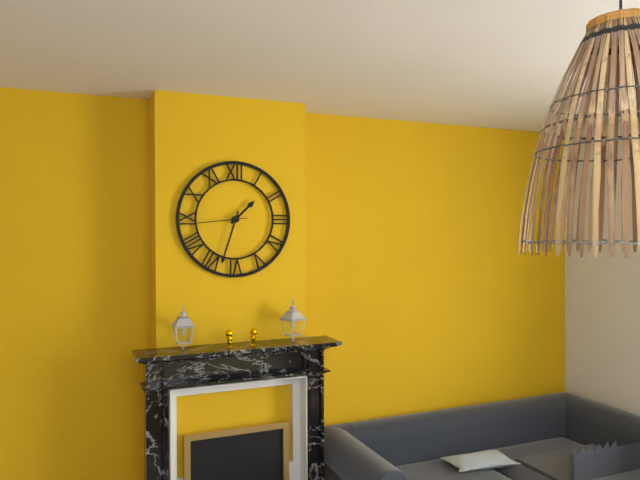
1.33.44
